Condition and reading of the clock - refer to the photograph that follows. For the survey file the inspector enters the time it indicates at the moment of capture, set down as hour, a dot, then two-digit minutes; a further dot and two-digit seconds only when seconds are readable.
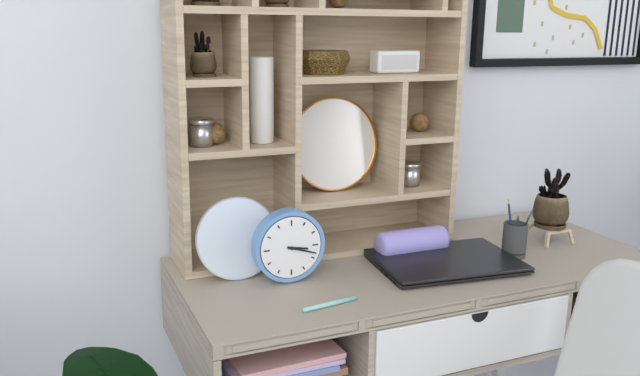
3.18
